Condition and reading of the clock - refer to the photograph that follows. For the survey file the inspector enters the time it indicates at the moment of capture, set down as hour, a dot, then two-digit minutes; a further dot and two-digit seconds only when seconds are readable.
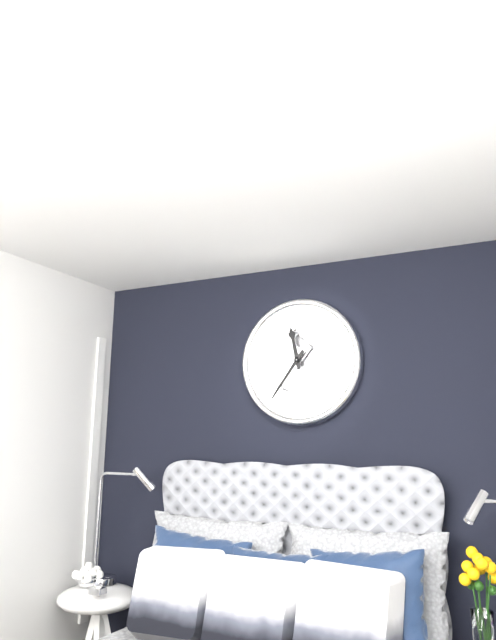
11.36
